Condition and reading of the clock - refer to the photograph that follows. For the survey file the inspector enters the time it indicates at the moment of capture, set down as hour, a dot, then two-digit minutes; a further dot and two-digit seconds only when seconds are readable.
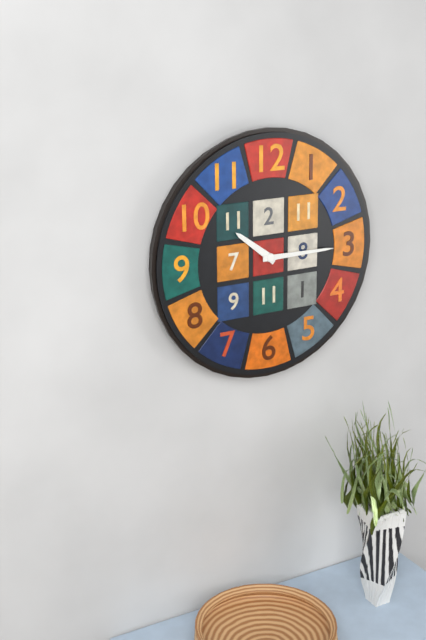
10.15
